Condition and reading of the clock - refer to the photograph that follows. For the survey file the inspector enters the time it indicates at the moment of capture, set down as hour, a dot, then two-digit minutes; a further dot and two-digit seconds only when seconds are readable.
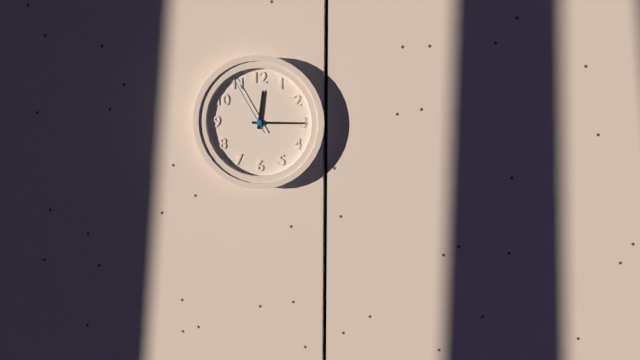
12.15.55
